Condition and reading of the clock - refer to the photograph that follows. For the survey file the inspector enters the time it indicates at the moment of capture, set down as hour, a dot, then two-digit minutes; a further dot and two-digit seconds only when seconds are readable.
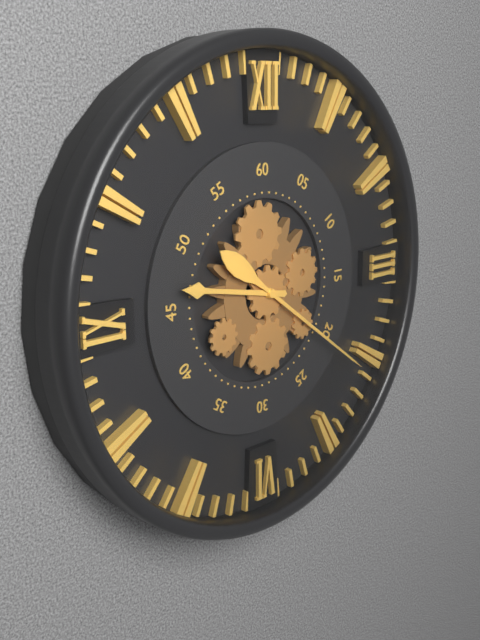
9.21
